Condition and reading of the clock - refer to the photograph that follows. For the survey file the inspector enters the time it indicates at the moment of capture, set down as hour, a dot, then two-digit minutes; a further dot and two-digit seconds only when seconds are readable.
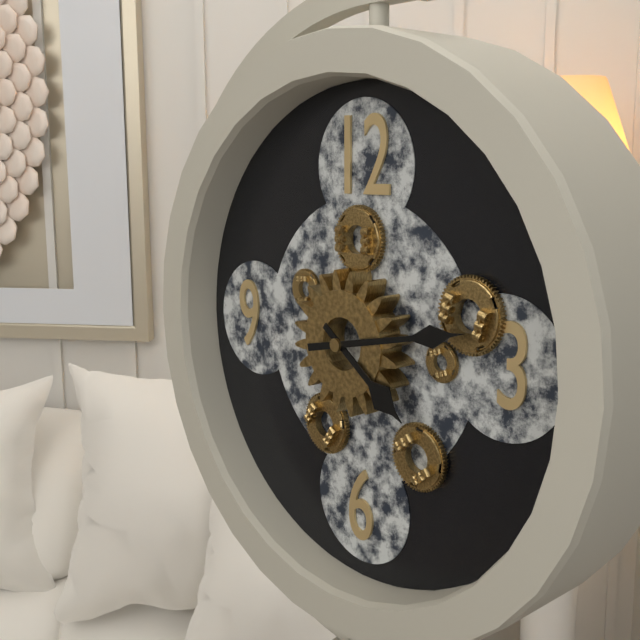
4.13
